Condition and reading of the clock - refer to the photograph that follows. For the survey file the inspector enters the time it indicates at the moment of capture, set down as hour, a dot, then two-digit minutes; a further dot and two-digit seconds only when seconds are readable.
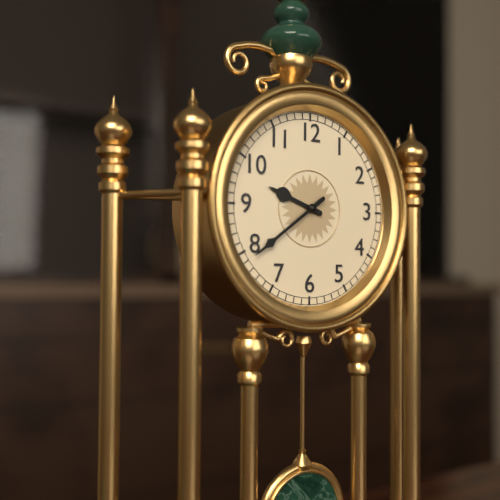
9.39
